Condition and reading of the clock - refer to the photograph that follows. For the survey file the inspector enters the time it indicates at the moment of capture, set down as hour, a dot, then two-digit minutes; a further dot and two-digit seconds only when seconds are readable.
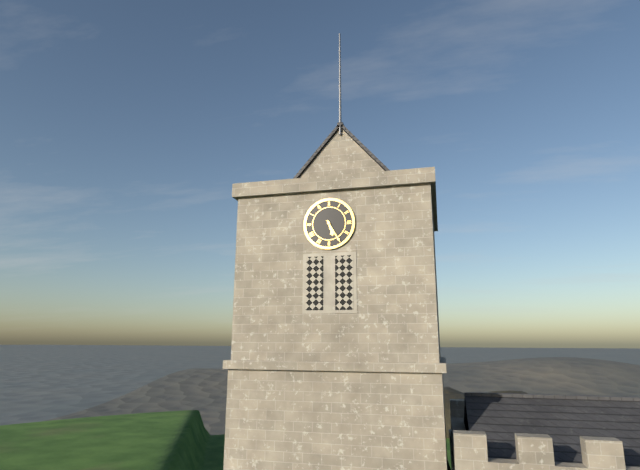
5.25
